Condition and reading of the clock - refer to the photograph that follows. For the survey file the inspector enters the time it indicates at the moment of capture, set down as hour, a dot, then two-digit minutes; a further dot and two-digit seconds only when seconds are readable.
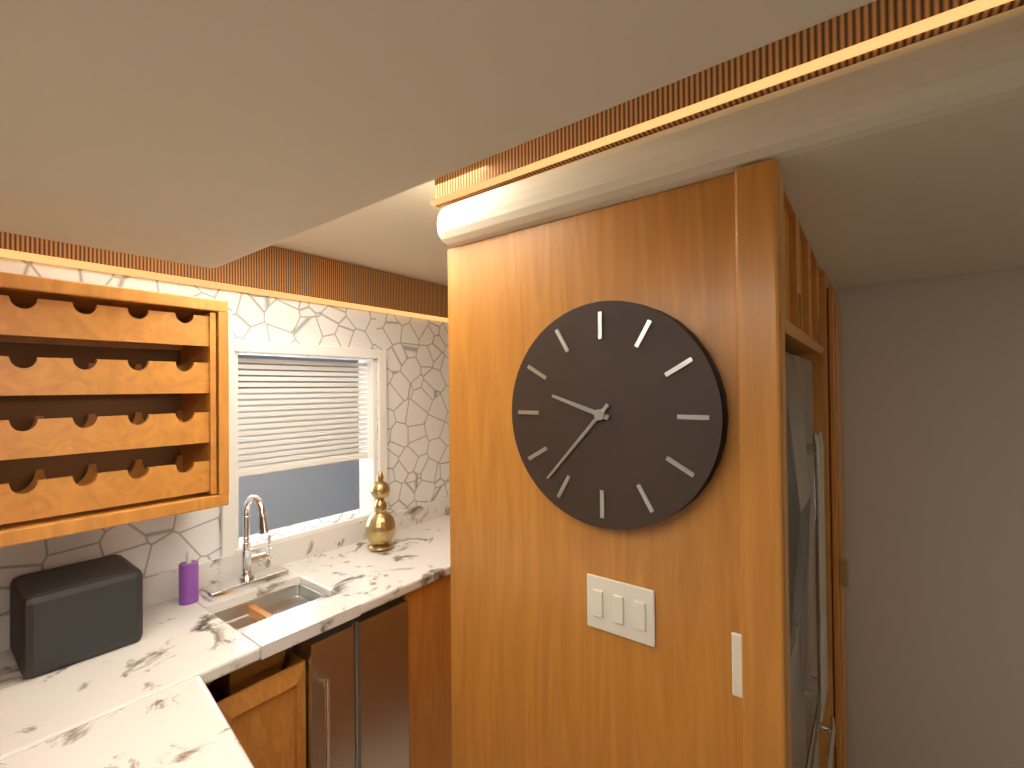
9.37
